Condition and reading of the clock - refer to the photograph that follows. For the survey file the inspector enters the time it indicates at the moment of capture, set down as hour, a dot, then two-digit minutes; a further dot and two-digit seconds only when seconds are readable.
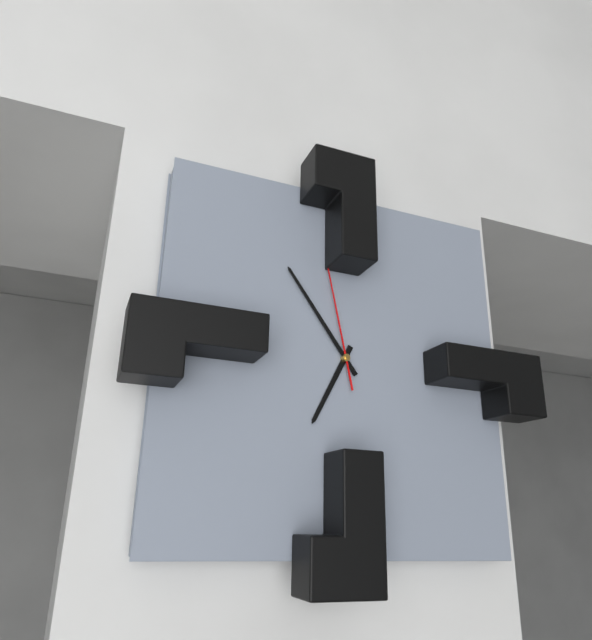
6.54.58
